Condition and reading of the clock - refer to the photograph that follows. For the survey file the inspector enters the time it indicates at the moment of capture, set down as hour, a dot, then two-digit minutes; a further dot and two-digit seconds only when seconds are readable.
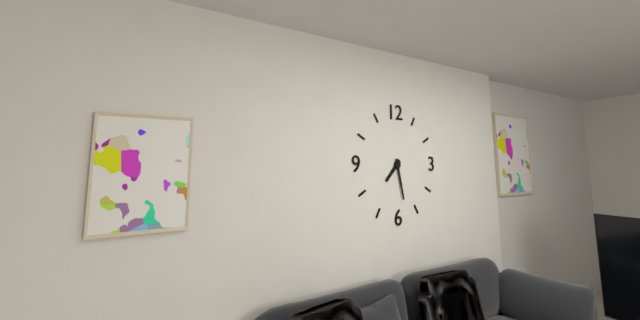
7.28
